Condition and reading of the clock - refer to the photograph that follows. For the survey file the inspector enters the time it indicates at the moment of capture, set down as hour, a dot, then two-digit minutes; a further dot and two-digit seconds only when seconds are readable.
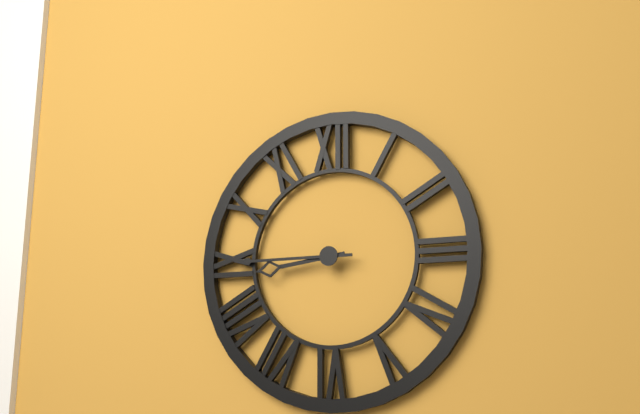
8.45
